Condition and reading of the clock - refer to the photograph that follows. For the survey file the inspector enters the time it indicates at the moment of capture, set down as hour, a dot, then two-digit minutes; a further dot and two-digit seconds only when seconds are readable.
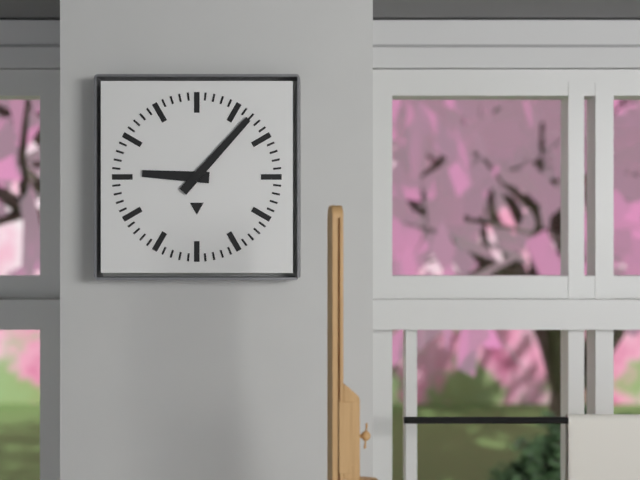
9.07
